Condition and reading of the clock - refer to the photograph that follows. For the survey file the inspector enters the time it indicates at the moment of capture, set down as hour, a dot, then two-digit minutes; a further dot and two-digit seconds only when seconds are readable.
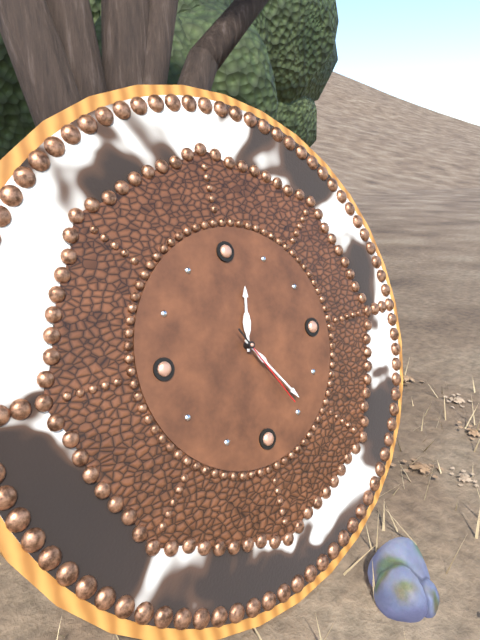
12.24.25
